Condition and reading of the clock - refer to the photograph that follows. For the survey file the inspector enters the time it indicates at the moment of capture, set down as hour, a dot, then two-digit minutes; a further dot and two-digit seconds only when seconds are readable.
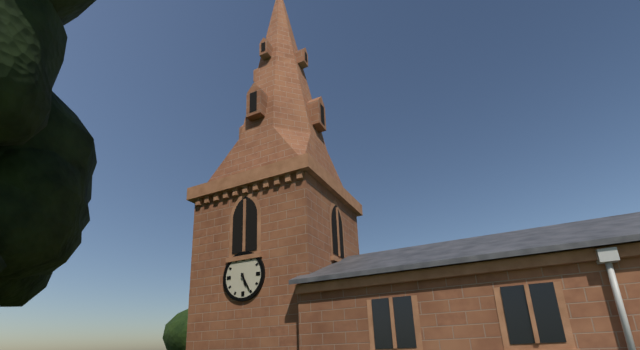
5.25
